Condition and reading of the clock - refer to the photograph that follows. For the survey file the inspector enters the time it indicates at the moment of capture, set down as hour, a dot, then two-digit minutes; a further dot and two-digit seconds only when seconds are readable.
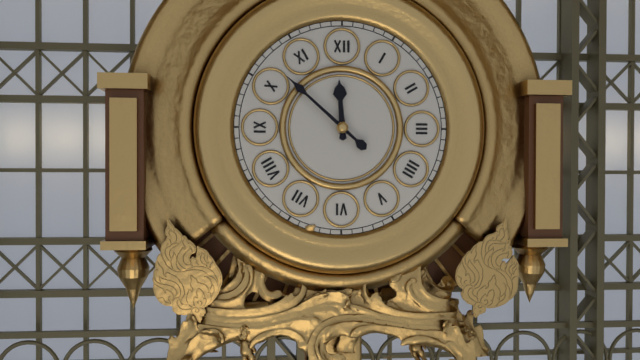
11.52
